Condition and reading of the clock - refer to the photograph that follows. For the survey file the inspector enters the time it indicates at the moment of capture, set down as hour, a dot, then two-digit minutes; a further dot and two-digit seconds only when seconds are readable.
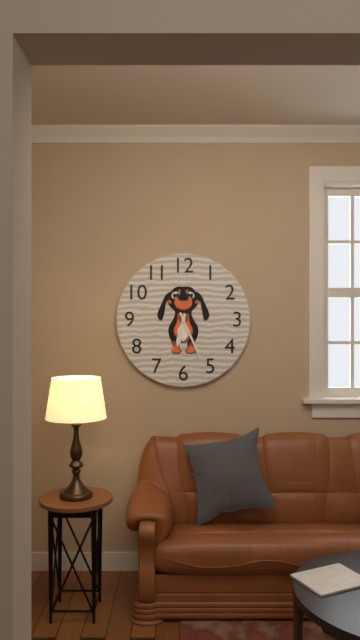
6.26
